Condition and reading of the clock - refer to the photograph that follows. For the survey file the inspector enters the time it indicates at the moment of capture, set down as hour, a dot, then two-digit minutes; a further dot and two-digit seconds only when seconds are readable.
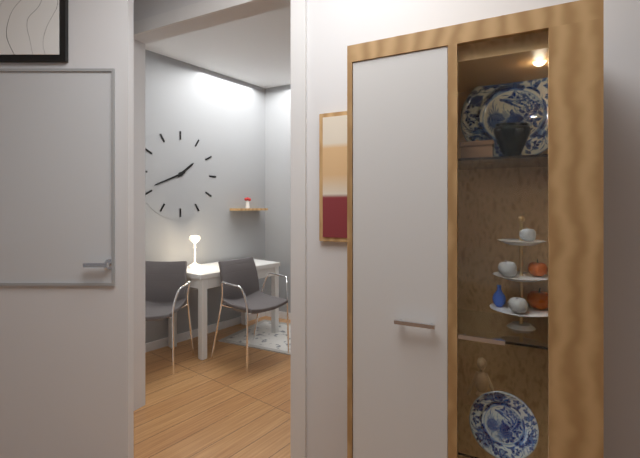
1.41
